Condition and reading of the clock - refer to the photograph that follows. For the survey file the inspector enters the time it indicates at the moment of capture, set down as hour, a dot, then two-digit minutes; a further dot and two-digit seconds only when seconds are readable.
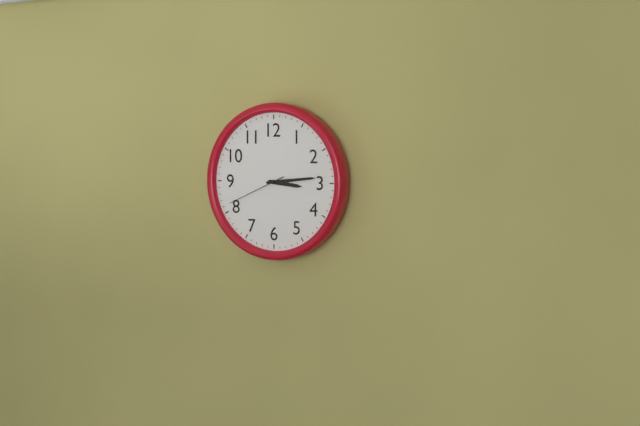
3.14.41
